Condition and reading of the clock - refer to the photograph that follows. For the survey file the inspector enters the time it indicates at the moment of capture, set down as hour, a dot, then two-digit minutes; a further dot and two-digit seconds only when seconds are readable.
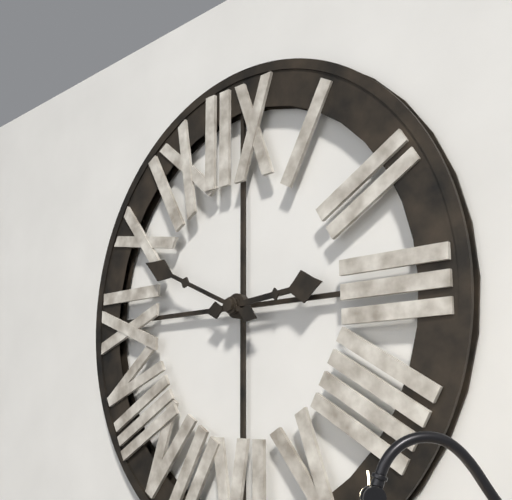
2.49
